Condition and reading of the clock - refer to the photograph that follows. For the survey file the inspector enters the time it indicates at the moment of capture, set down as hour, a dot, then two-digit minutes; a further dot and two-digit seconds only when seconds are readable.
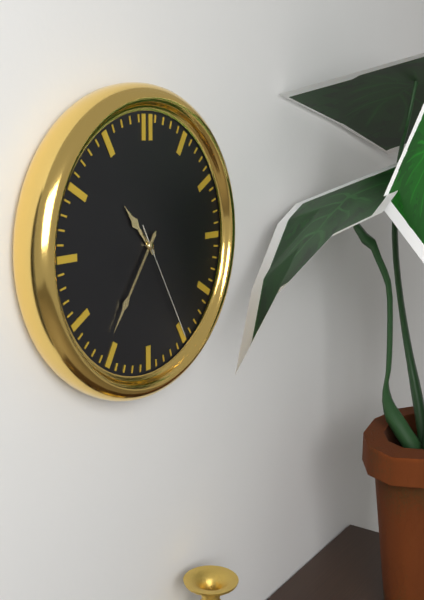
10.36.25
